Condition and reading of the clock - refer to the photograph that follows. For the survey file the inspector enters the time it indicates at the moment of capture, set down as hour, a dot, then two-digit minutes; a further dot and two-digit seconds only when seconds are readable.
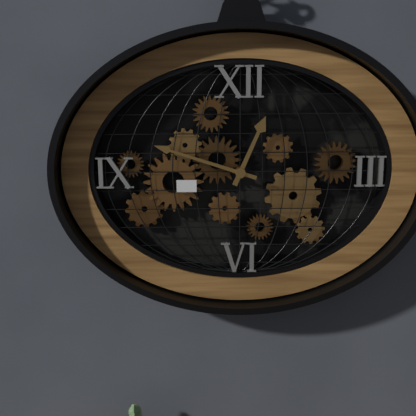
12.48
